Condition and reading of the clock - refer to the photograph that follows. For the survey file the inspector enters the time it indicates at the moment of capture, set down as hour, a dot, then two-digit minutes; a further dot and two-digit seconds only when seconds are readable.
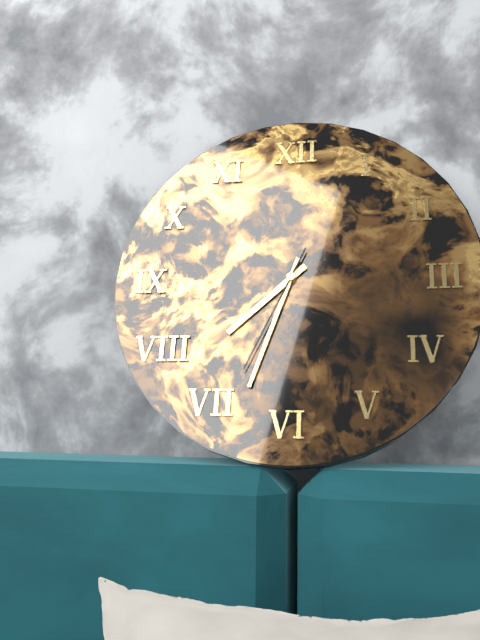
7.33.34
